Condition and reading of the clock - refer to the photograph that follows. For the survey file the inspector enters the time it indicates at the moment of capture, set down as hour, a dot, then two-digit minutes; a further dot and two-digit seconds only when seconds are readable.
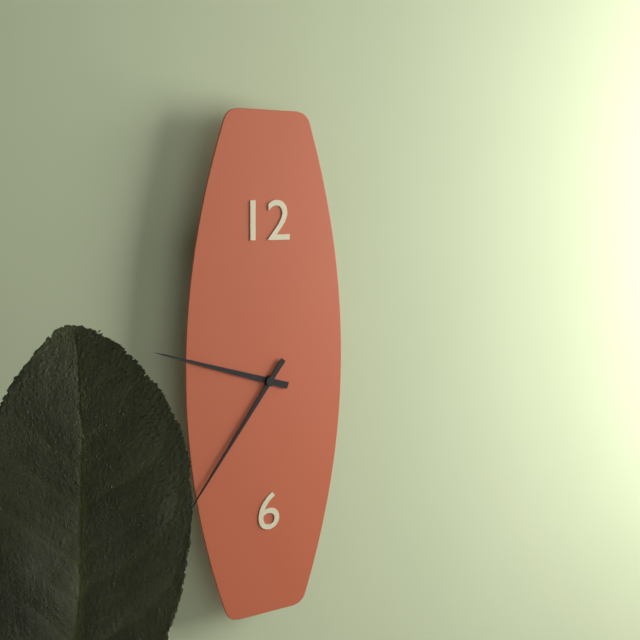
9.36
